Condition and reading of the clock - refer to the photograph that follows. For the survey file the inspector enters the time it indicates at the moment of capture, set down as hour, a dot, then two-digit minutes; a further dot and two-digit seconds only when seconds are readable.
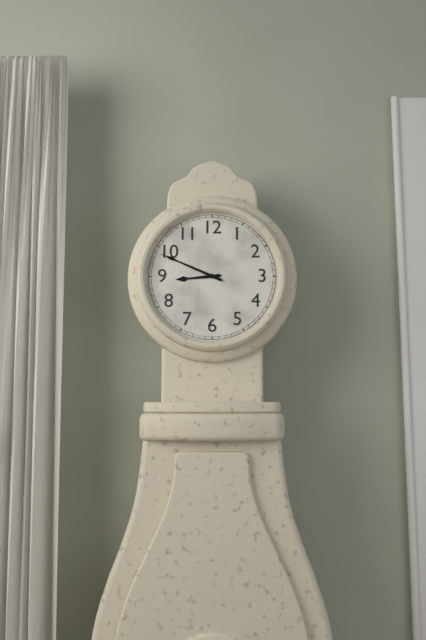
8.49
